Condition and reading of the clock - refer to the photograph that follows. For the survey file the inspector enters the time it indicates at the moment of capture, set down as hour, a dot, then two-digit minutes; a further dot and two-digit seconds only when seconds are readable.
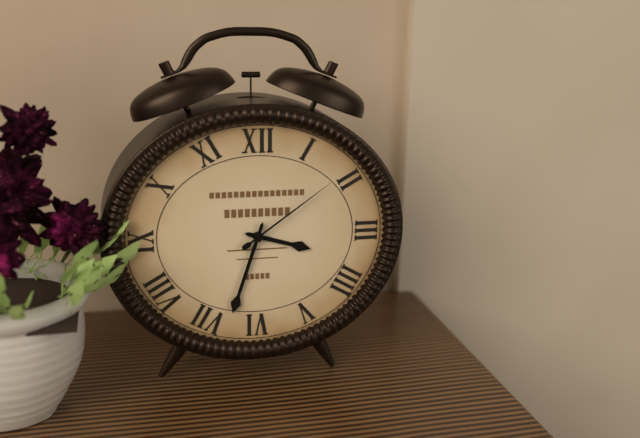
3.33.09
